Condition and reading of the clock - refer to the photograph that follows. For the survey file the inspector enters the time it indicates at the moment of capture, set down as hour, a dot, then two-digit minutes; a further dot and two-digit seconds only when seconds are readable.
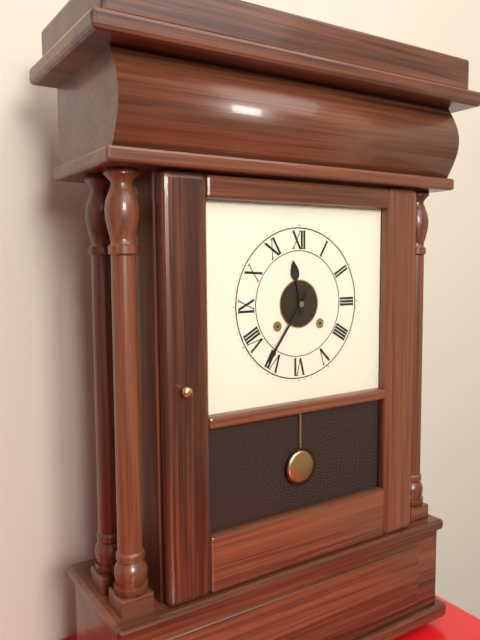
11.36
